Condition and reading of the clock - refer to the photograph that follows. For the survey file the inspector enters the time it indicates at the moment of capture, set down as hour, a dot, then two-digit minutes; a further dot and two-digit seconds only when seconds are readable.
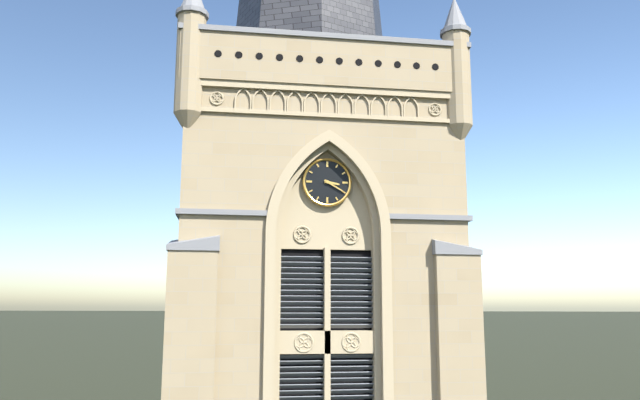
3.20
